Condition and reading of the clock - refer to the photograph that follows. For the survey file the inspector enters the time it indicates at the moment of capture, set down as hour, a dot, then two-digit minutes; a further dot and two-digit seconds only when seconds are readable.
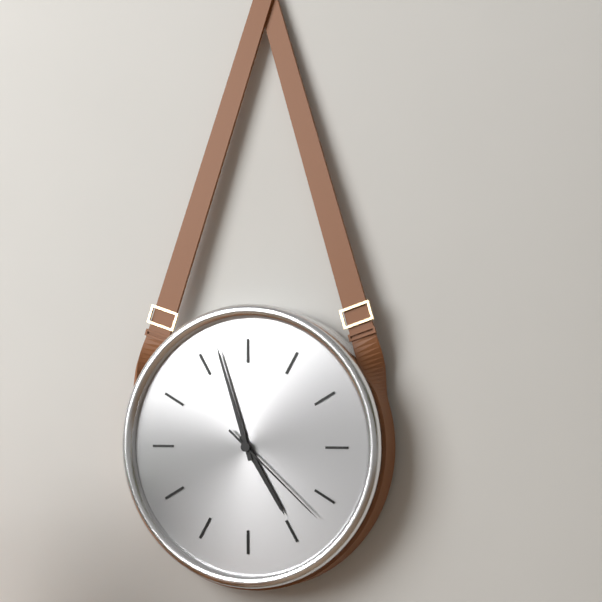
4.57.22
